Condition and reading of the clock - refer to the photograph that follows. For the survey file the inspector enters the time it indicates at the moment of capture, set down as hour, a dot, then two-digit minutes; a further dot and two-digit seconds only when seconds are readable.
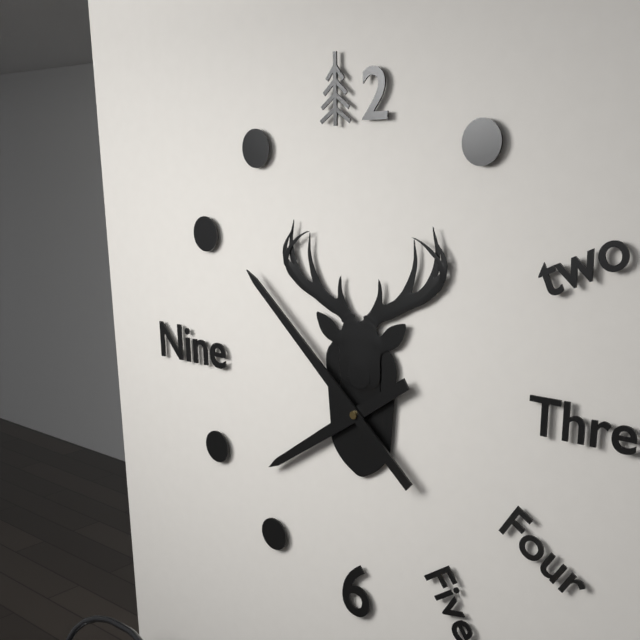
7.52
